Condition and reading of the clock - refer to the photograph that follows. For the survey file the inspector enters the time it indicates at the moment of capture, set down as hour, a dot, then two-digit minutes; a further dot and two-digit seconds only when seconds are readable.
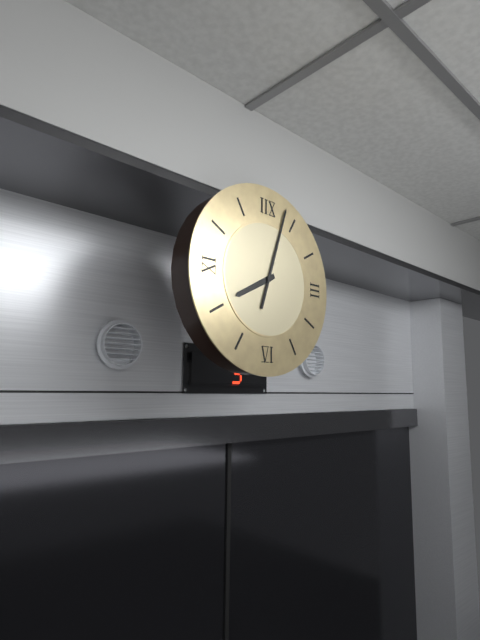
8.03
